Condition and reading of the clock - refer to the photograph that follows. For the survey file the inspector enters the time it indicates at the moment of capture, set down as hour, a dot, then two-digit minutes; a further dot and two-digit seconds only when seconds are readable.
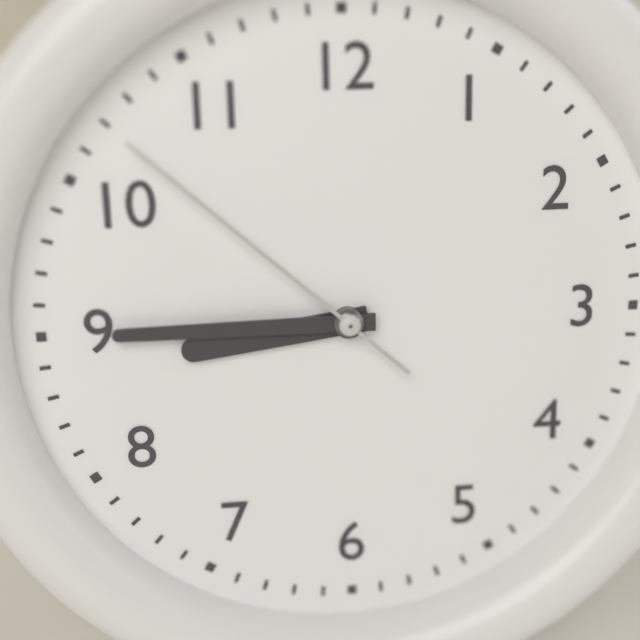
8.45.52
